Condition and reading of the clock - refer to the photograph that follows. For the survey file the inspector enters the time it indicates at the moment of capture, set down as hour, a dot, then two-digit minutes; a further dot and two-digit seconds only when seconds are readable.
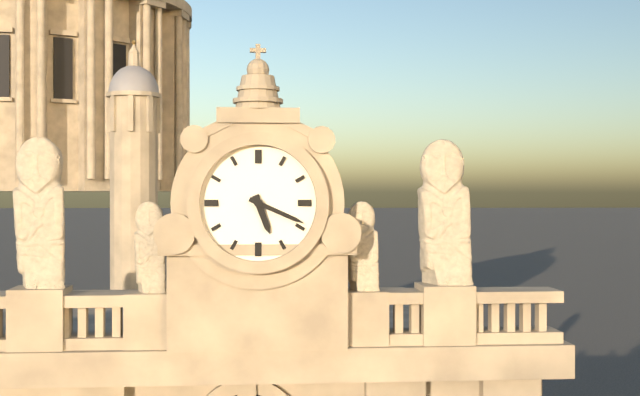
5.19
